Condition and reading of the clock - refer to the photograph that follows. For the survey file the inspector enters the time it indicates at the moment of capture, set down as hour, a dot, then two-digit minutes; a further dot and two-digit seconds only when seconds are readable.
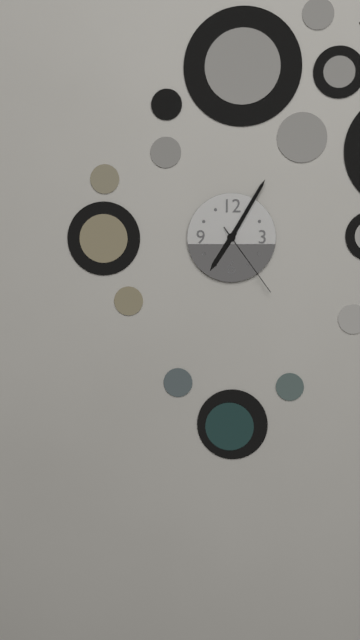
7.05.24
